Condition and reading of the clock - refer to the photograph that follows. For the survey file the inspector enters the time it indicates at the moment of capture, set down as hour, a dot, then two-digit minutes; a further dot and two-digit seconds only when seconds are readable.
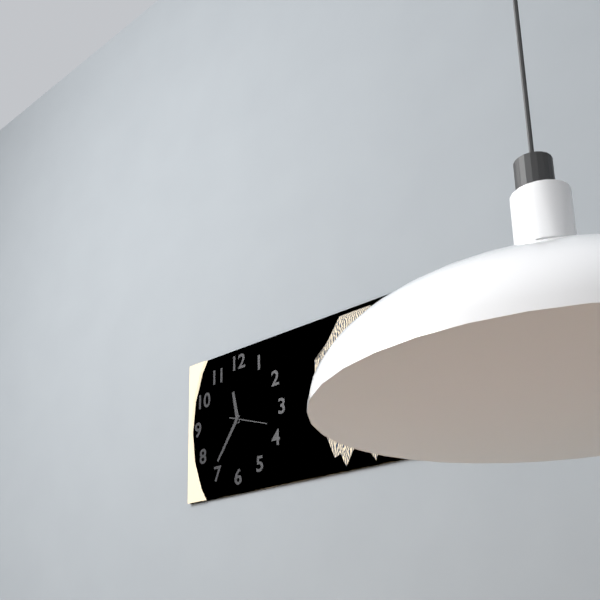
11.36
